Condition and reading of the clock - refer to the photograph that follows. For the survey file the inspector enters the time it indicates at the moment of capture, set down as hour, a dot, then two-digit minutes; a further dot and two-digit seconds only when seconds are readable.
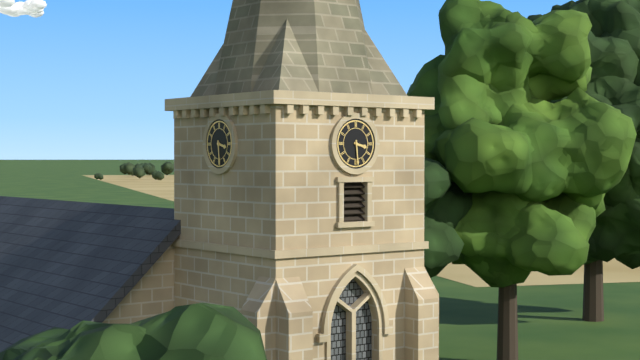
3.29
